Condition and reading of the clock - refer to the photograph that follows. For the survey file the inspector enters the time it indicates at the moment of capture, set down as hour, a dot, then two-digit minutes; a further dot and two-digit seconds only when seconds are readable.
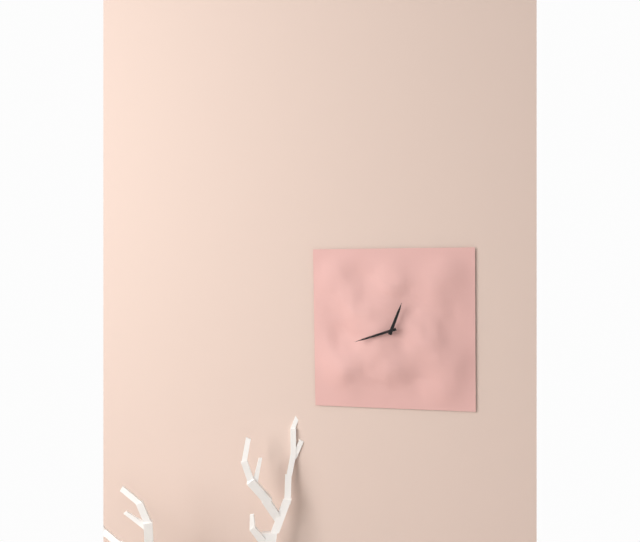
12.42
